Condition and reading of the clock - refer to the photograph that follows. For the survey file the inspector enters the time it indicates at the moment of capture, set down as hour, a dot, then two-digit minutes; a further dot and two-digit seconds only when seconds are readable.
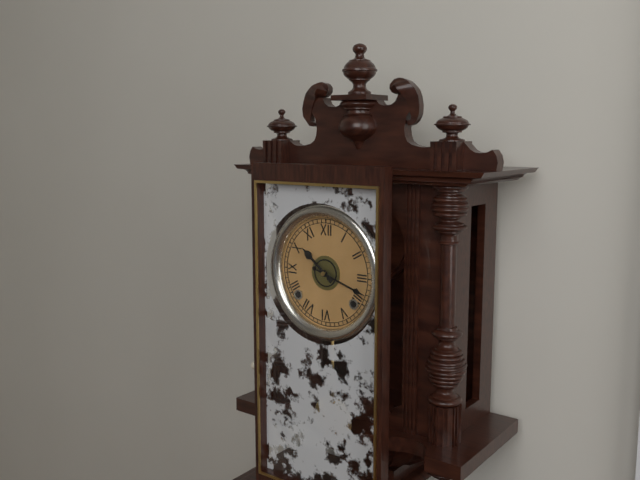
10.18
